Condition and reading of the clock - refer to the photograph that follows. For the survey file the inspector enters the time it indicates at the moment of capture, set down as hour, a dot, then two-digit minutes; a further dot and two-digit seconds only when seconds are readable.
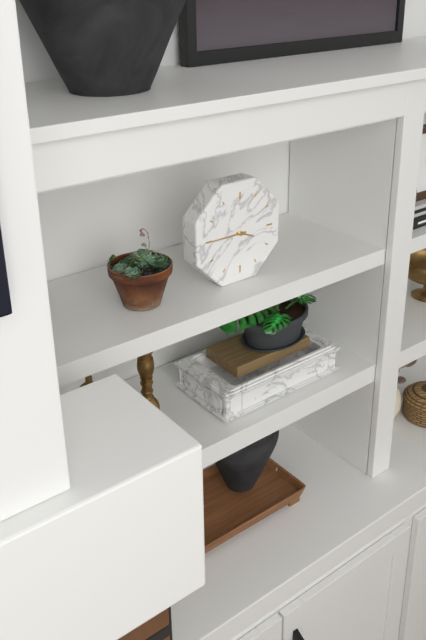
3.45
